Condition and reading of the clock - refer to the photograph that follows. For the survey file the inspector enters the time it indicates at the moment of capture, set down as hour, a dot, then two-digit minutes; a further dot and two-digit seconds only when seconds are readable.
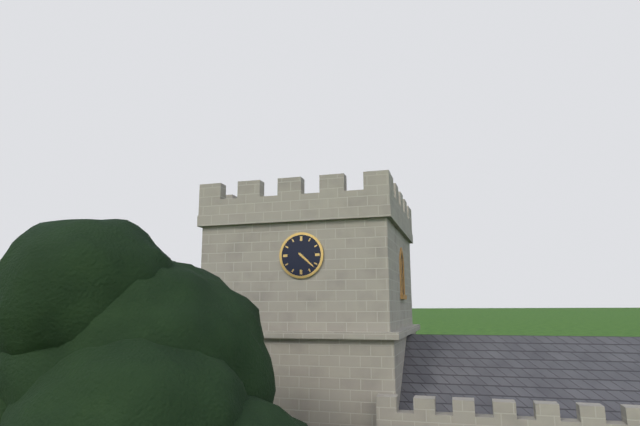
4.22
